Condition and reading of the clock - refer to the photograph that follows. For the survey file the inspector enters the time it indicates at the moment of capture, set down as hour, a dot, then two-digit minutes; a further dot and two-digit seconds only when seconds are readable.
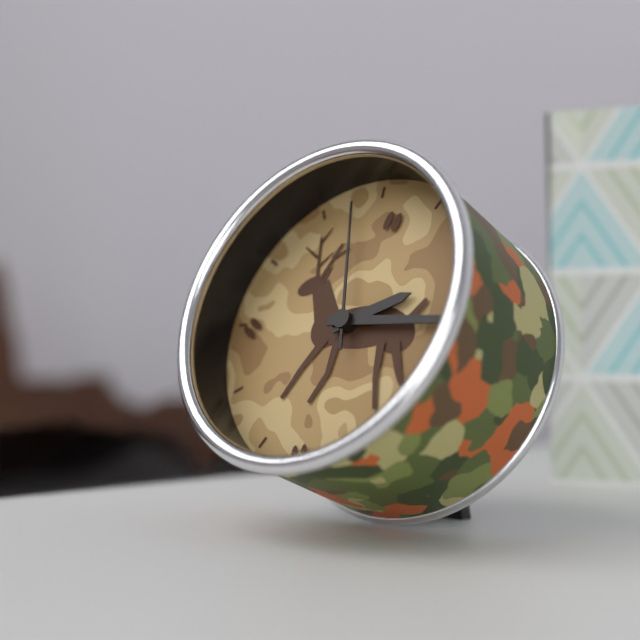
2.15.58
